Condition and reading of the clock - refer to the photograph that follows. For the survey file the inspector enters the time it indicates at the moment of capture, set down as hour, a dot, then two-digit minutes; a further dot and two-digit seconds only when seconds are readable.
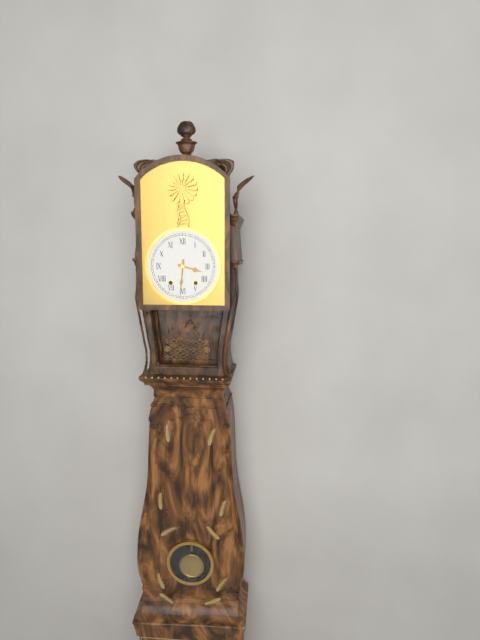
3.31
